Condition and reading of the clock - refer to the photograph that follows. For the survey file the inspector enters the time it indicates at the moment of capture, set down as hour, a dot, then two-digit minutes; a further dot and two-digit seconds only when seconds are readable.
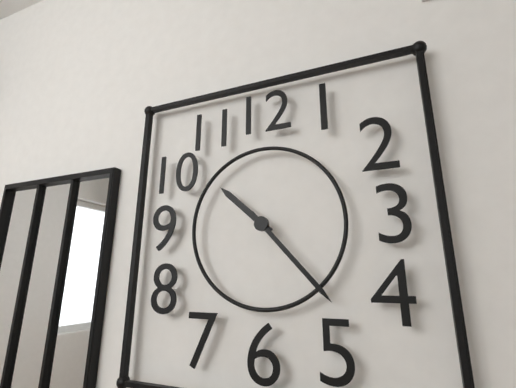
10.23
